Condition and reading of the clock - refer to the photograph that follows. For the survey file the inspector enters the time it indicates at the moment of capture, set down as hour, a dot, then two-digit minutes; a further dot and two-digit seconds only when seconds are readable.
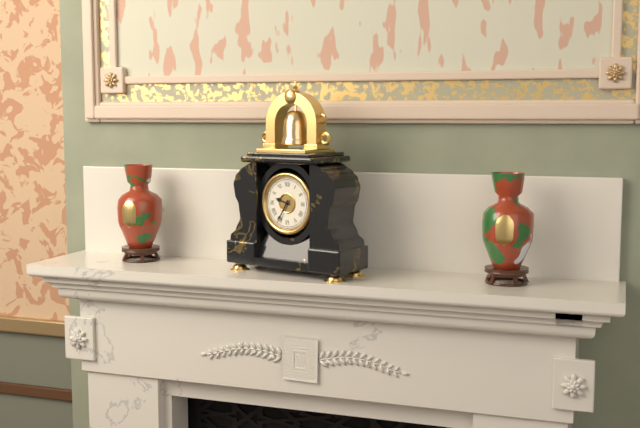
9.35
